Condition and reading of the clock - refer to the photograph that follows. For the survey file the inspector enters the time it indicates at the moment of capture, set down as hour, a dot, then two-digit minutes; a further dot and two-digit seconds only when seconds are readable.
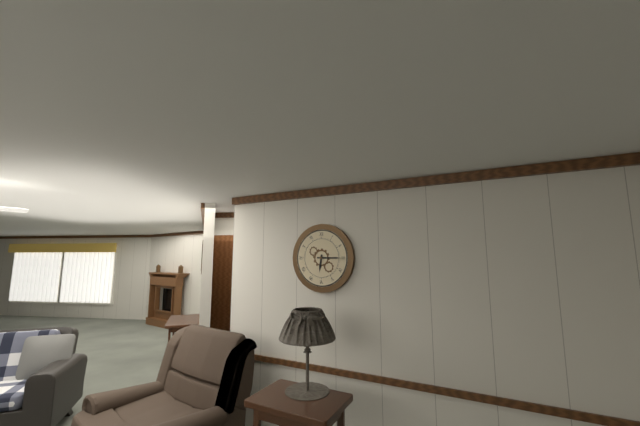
6.15
